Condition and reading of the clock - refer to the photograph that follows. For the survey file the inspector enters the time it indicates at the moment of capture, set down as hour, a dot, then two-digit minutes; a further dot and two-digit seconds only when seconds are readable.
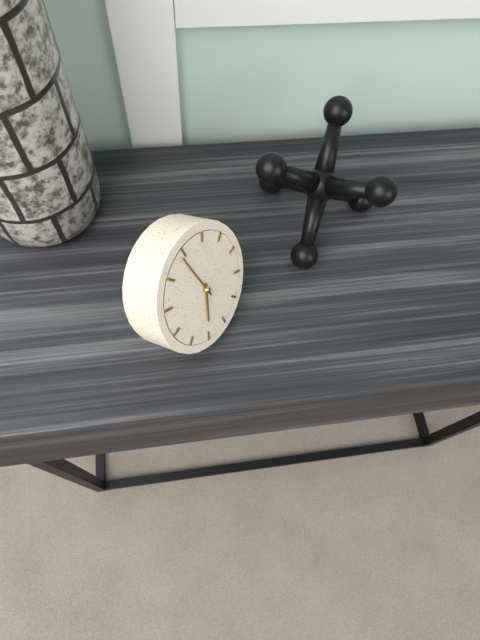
6.59
